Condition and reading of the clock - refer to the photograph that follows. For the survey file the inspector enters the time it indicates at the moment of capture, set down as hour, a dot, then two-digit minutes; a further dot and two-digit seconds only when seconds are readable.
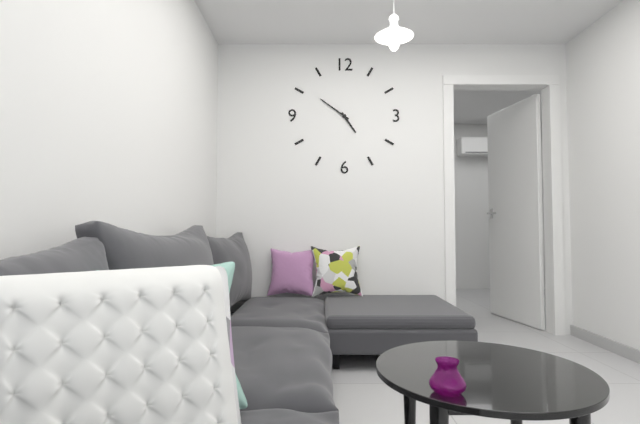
4.51
